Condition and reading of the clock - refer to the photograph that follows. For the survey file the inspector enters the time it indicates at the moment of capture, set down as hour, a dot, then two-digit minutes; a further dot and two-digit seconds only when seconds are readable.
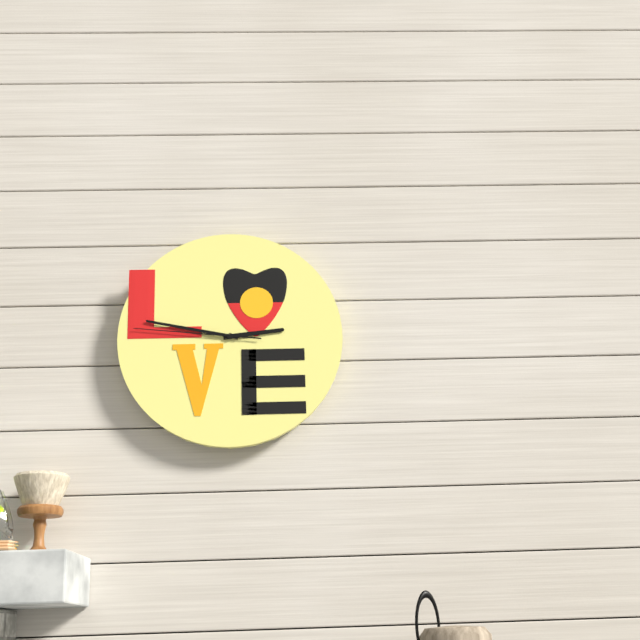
2.47.46
